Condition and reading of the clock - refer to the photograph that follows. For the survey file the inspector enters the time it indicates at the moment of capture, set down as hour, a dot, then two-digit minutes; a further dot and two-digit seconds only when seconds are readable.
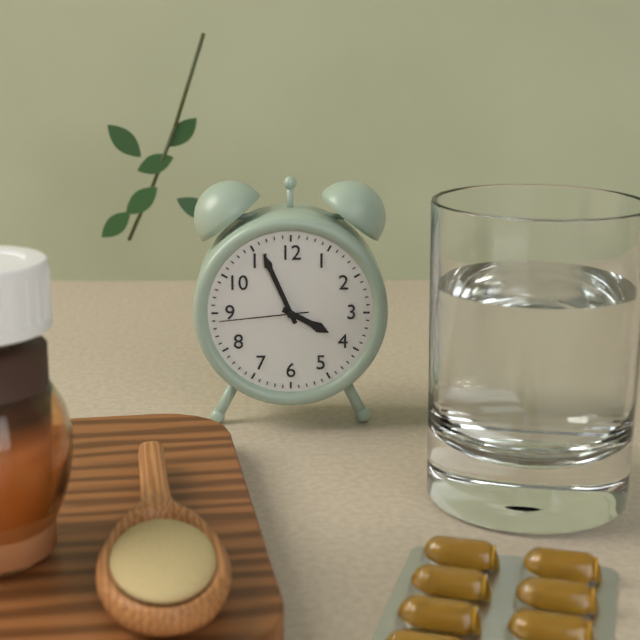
3.56.44
